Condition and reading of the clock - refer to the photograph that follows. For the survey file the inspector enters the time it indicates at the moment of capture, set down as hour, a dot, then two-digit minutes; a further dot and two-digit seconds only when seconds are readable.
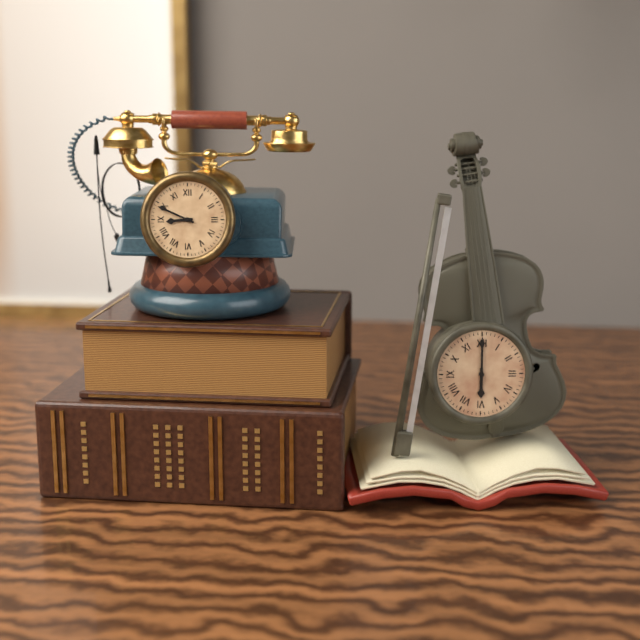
8.49
